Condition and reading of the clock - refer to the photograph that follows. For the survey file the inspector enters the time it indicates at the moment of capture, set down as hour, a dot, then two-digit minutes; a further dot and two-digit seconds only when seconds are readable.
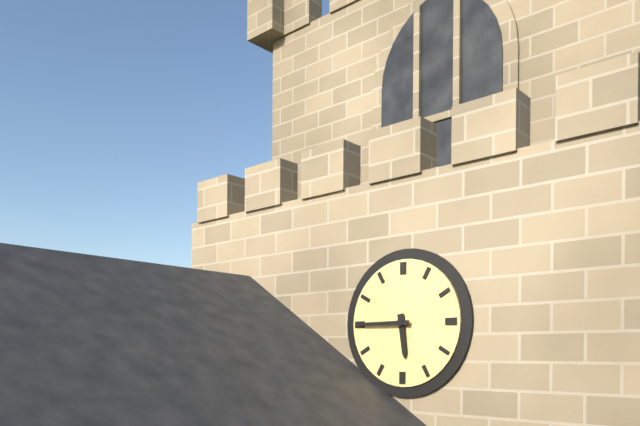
5.45
